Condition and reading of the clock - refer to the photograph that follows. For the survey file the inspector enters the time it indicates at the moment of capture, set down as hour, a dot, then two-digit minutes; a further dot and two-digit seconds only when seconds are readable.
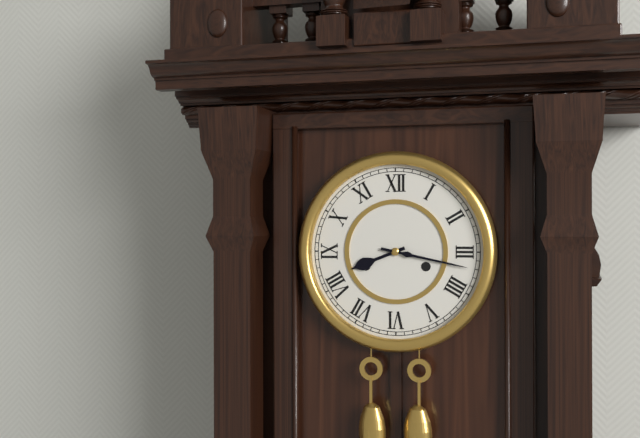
8.17
